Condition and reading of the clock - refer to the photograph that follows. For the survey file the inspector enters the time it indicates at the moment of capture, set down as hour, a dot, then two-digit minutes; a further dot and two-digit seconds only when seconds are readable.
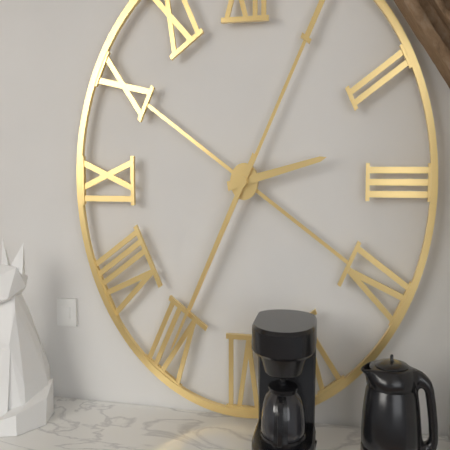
2.35
